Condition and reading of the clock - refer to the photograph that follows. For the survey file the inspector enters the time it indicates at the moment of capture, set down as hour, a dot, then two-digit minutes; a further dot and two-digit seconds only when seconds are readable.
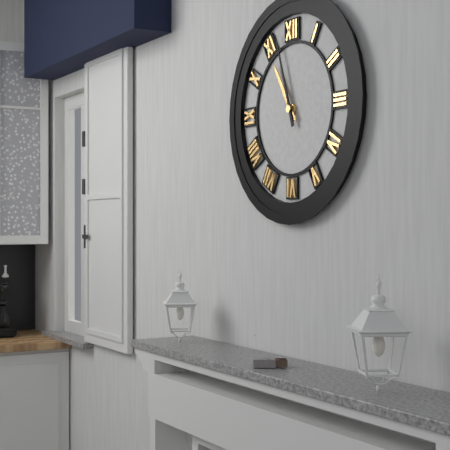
10.57
